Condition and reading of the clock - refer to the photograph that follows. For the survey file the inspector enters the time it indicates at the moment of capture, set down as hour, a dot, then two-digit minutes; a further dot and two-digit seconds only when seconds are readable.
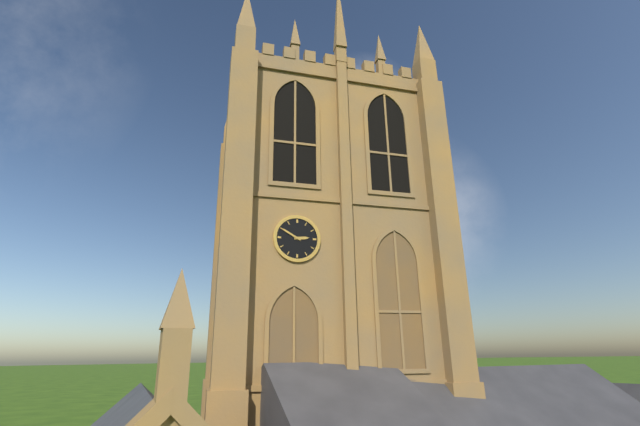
2.50
